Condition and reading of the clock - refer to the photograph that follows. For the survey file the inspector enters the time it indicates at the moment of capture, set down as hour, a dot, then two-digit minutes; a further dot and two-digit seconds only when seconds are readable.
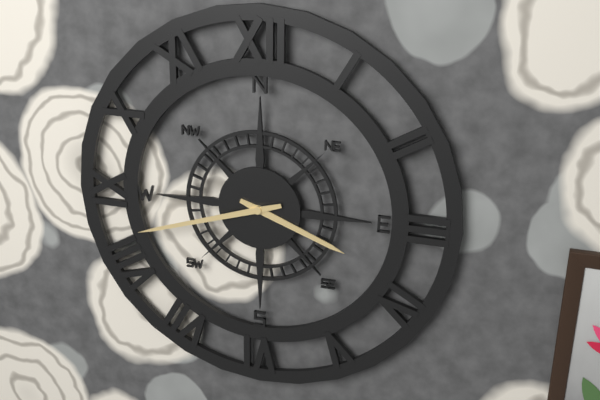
3.42
